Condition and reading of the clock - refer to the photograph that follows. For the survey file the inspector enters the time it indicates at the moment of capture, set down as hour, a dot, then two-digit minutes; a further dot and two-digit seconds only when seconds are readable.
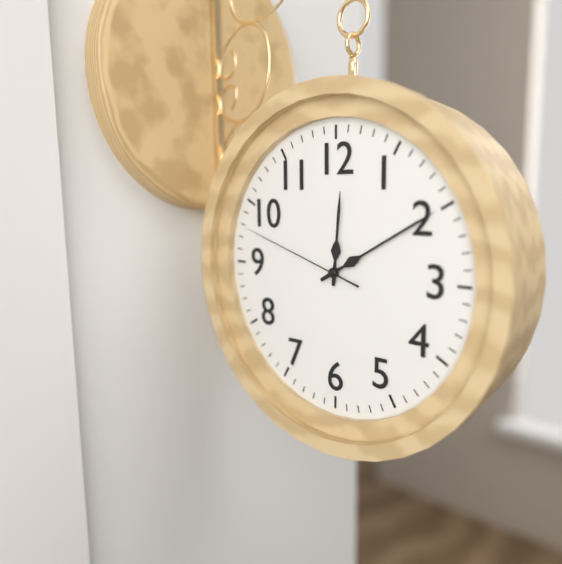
12.10.48
